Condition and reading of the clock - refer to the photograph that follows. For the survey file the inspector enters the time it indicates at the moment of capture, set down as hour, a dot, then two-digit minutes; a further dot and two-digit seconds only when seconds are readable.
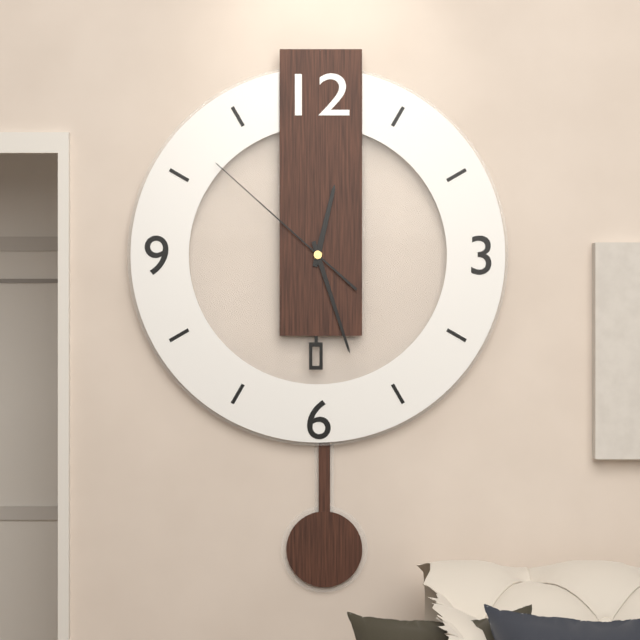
12.27.52
